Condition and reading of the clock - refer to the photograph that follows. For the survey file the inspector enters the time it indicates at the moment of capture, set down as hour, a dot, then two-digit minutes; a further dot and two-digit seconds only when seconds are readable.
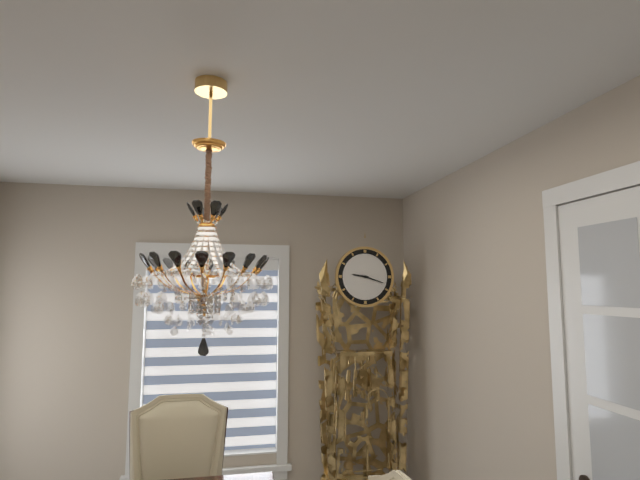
9.18
